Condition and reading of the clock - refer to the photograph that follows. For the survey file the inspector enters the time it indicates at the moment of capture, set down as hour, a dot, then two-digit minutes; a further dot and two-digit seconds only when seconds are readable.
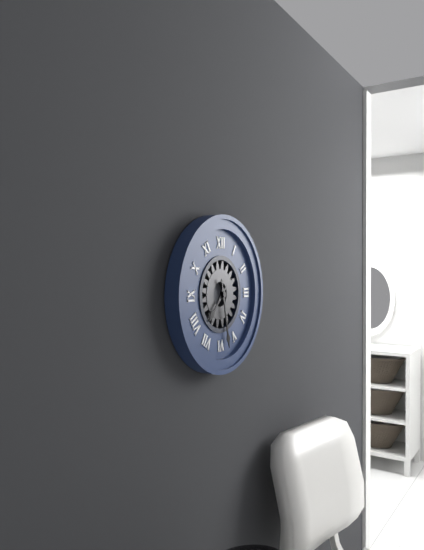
7.28
